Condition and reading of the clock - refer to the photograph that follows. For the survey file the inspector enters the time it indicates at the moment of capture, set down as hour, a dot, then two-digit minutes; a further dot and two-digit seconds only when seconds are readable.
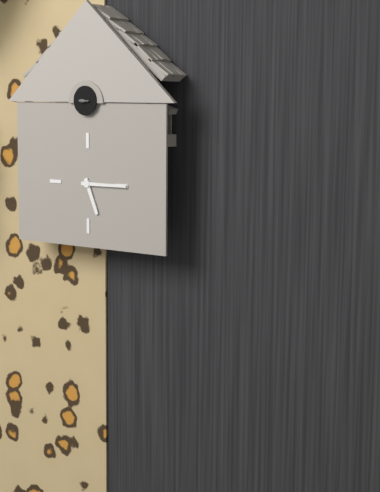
5.15
